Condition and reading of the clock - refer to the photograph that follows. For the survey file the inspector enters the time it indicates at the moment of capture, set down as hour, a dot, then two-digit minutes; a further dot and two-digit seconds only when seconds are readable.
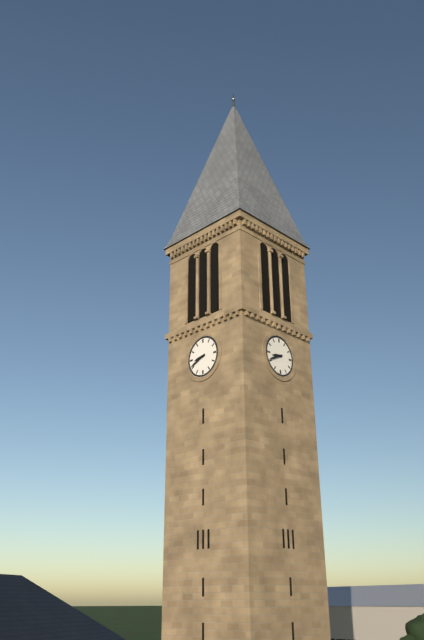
8.41
